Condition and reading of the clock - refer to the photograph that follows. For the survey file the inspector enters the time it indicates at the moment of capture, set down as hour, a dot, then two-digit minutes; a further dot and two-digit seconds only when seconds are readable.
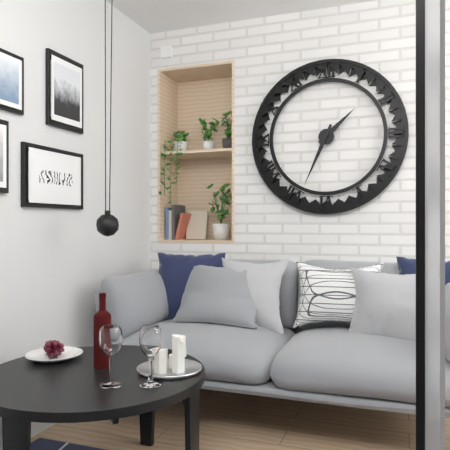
1.34
